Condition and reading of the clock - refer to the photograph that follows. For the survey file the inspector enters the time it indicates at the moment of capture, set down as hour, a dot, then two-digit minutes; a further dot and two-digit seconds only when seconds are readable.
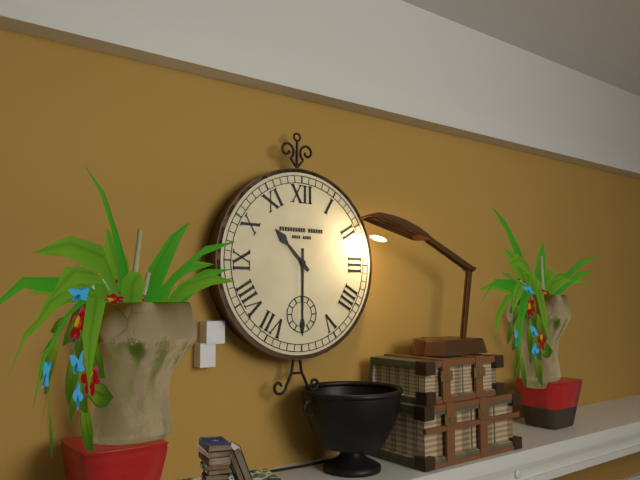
10.30
